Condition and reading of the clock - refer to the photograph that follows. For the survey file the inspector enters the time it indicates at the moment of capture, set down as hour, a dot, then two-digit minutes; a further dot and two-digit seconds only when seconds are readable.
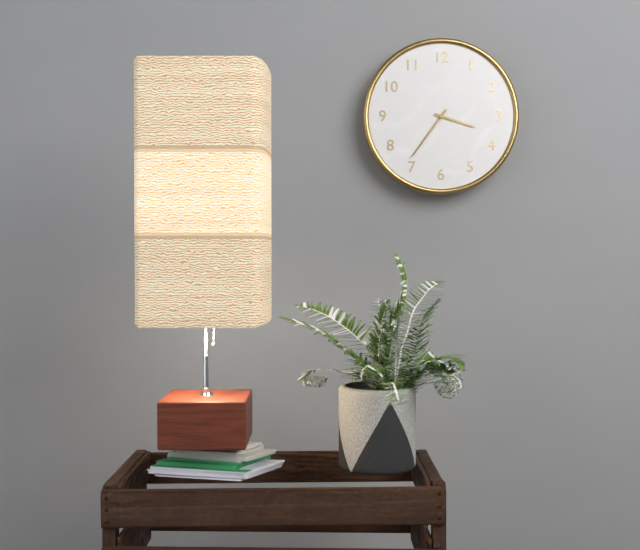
3.36
